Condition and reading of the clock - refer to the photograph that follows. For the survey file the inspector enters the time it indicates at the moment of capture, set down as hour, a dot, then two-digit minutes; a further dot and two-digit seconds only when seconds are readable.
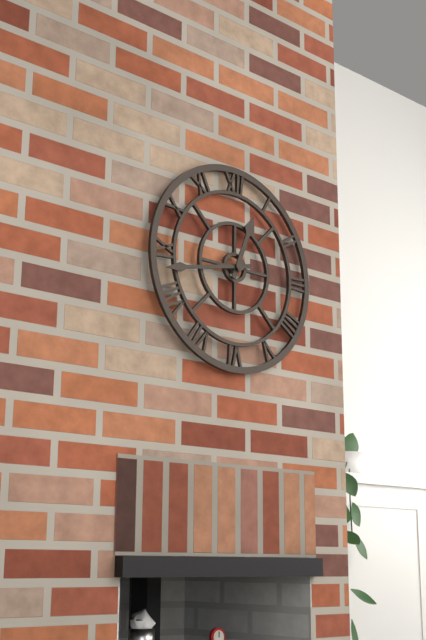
12.43
